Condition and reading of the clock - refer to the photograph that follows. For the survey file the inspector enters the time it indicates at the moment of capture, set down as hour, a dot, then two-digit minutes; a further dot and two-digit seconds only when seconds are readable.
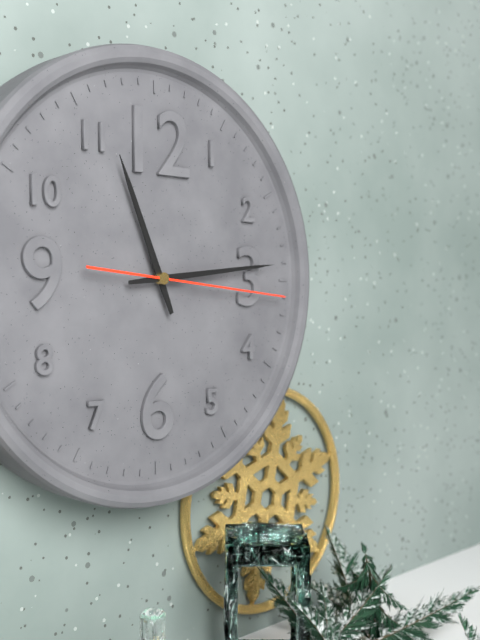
11.14.16
